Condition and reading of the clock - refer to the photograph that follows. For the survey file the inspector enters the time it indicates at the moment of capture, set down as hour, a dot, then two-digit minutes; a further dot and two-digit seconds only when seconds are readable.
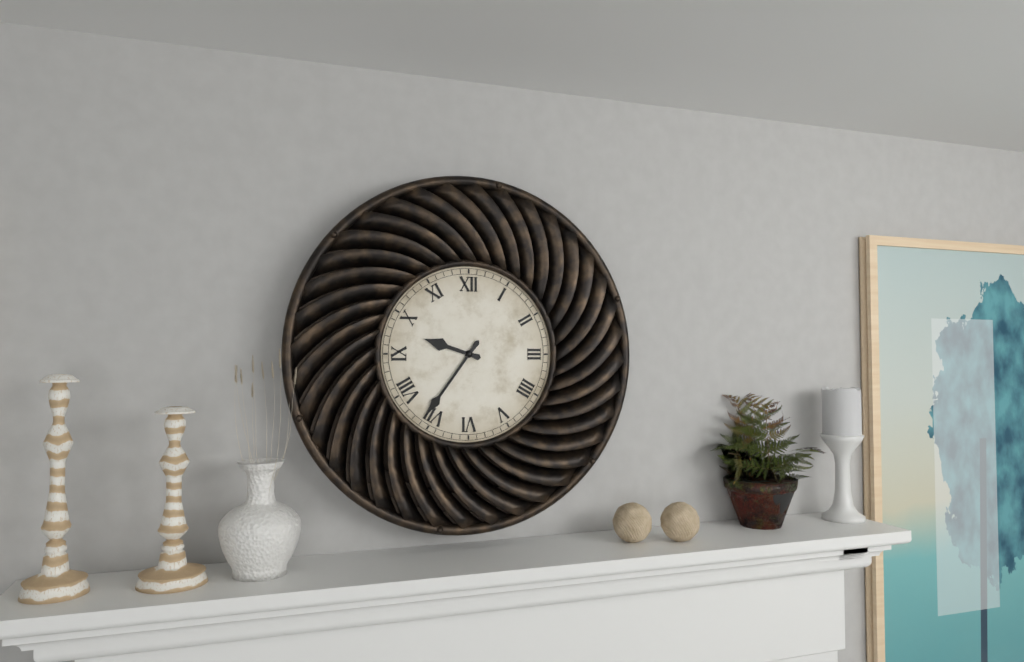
9.36
